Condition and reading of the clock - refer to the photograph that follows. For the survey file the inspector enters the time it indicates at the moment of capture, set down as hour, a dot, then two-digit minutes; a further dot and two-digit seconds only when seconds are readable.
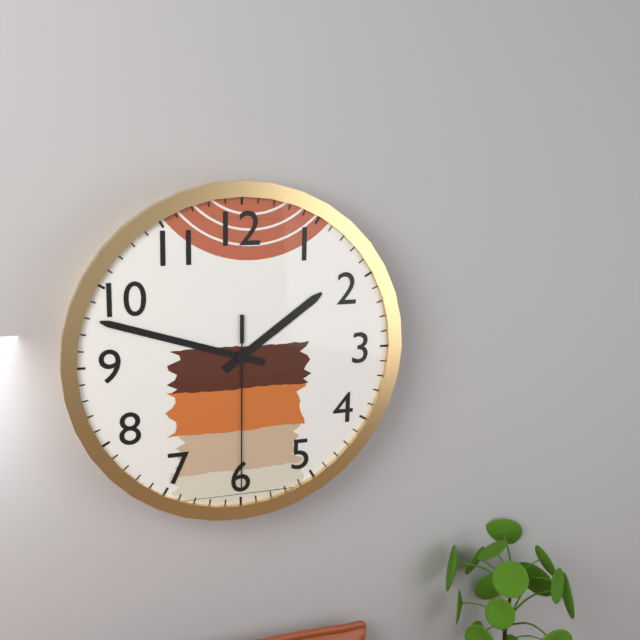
1.48.30
